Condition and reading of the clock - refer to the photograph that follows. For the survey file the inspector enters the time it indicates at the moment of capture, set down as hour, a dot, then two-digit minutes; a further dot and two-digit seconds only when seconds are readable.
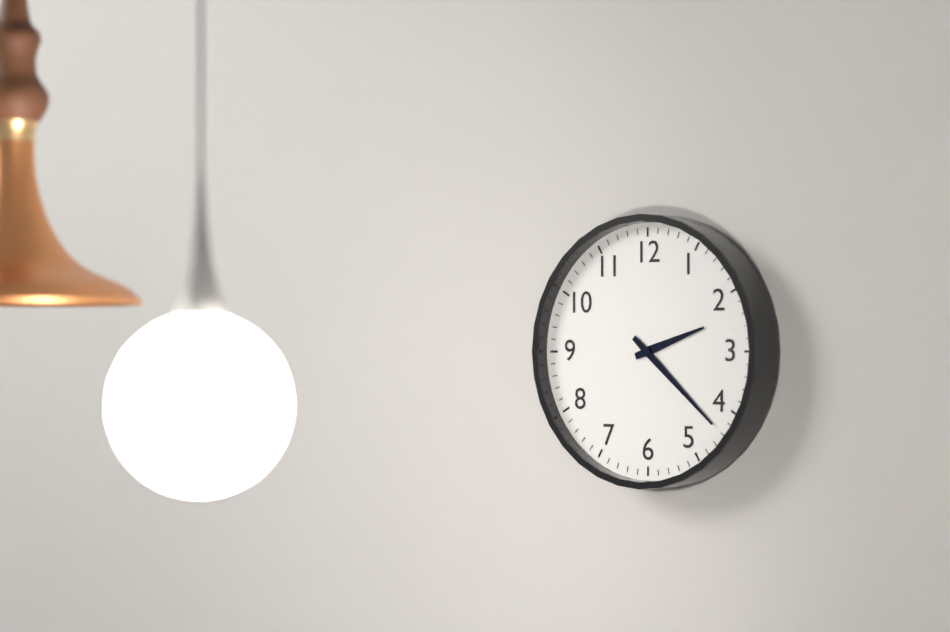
2.22
